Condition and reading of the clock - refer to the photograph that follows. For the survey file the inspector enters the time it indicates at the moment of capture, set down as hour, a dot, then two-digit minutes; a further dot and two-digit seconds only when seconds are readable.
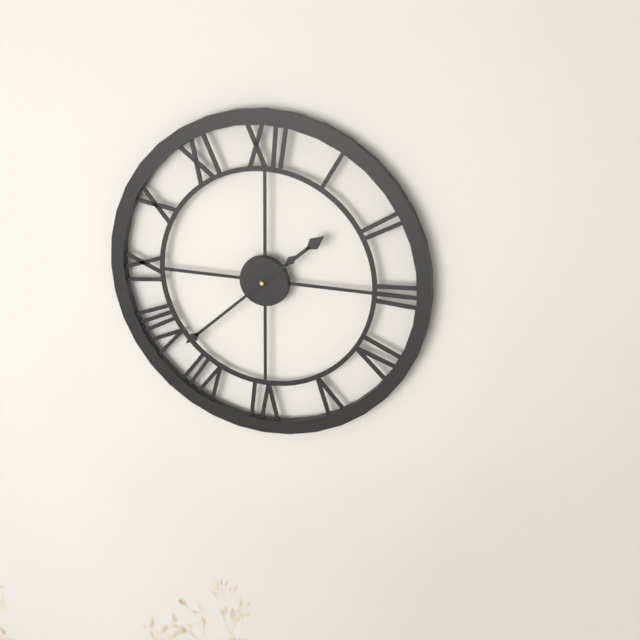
1.38
